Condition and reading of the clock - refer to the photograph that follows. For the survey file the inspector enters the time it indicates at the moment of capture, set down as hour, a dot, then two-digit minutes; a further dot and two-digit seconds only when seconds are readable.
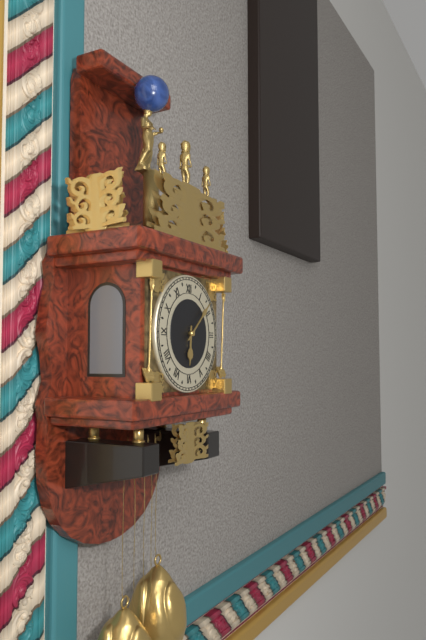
6.08
